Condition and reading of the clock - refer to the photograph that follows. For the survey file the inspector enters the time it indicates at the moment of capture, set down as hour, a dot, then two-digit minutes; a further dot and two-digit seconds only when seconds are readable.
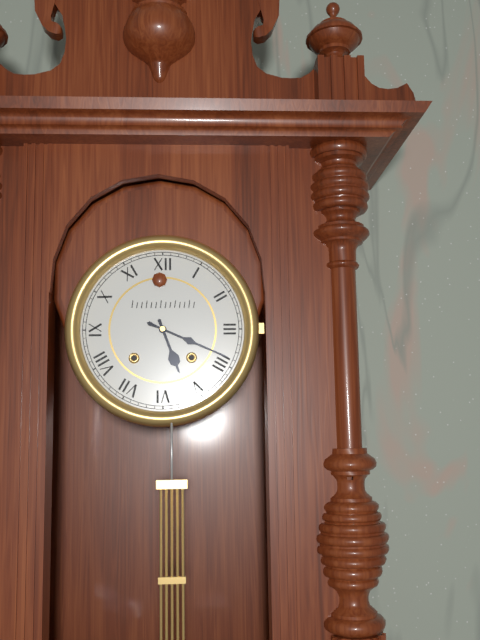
5.19
